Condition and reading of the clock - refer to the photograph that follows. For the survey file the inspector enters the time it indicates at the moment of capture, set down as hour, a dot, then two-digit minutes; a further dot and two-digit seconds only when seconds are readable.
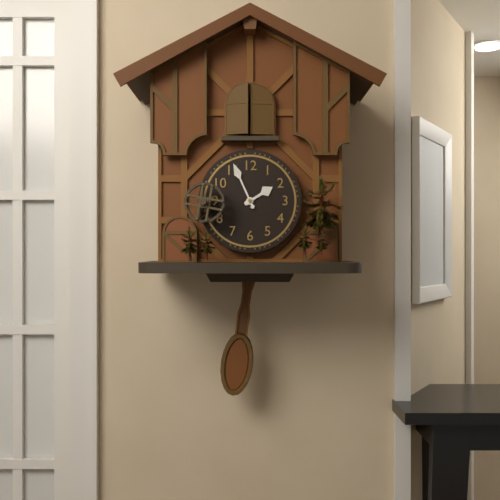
1.56
